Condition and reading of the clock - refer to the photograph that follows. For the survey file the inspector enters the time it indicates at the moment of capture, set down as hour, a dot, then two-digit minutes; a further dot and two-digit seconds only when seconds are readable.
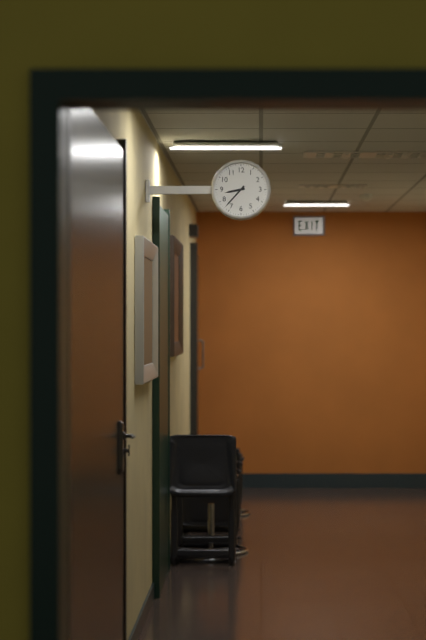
8.37
